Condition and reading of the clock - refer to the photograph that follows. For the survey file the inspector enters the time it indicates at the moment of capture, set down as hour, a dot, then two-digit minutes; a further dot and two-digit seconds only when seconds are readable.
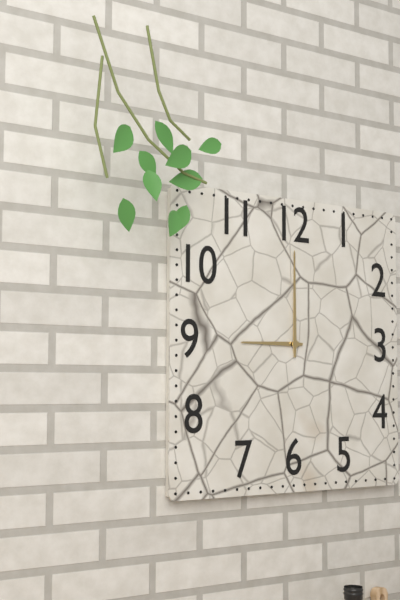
9.00
